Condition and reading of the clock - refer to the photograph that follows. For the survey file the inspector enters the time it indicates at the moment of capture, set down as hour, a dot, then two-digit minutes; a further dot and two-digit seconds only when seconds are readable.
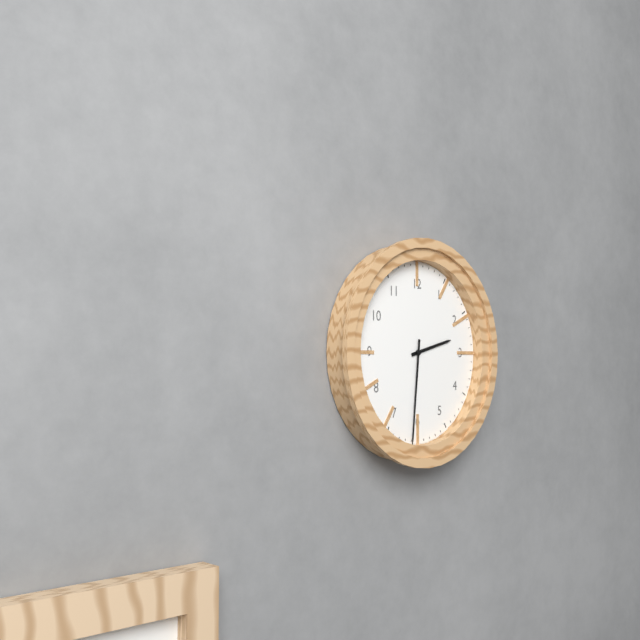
2.31
